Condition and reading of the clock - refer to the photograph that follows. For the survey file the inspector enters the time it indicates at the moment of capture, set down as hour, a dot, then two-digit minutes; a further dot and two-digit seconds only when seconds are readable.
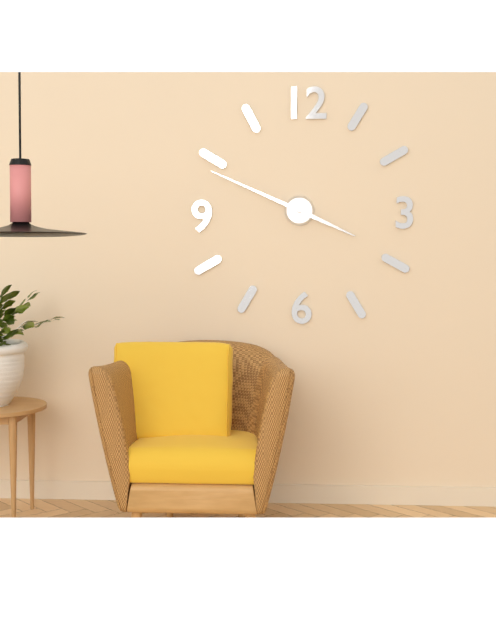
3.49
